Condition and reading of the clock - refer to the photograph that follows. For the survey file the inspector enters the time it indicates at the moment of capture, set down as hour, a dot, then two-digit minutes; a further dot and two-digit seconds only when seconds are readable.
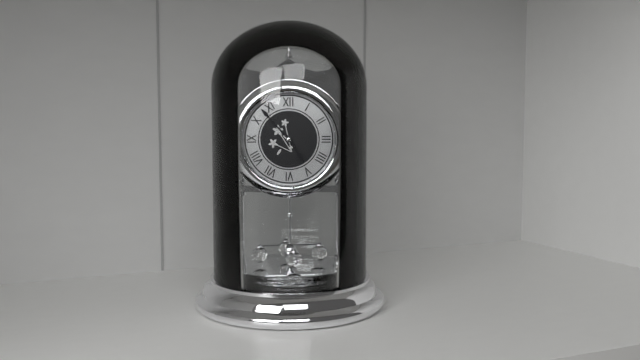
4.53
